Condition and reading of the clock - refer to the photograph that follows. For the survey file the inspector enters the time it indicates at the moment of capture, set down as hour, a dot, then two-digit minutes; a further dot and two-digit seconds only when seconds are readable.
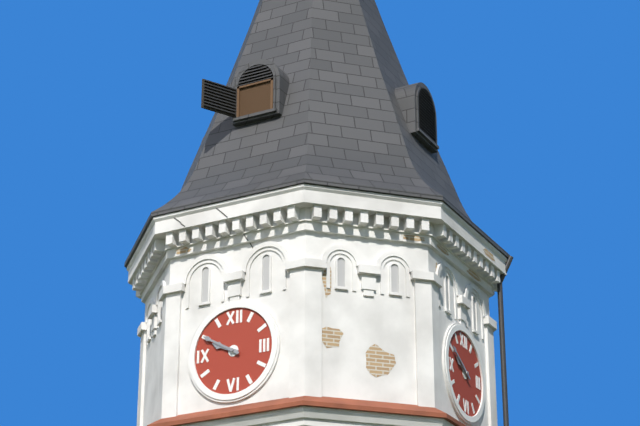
9.50
